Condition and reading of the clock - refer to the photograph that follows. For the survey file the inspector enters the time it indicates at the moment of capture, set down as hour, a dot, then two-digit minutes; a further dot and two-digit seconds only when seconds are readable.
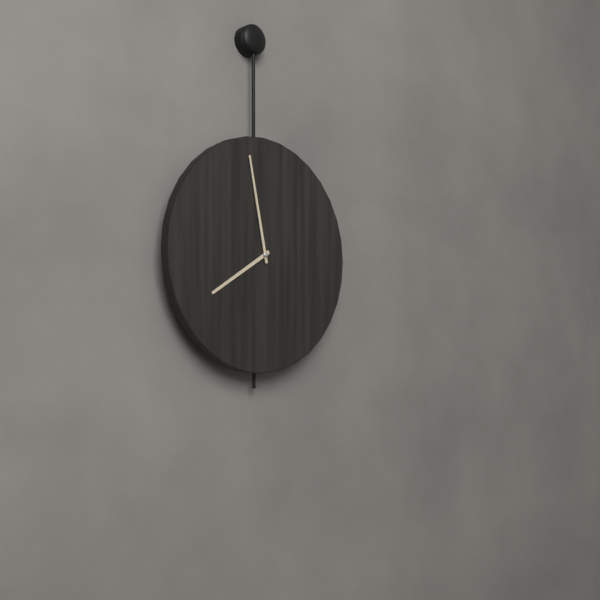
7.58
